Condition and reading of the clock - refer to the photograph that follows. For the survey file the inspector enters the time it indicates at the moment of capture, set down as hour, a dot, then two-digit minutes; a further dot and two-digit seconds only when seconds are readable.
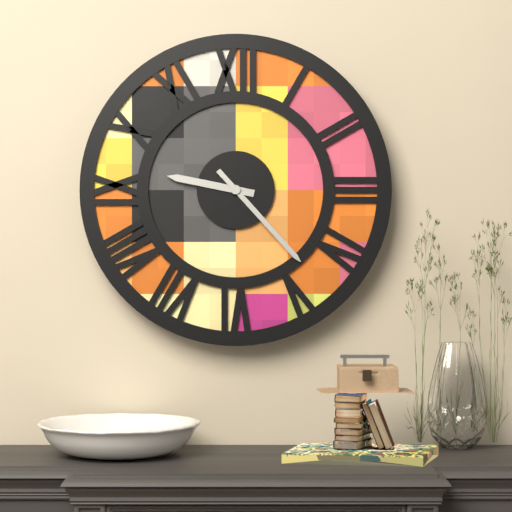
9.23
